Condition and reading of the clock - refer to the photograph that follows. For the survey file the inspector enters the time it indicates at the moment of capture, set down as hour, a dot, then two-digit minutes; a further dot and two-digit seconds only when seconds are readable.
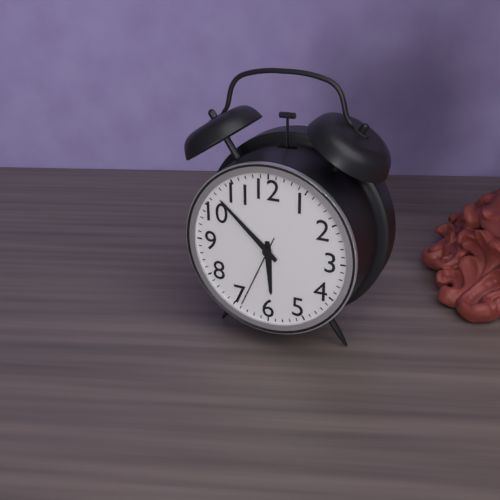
5.52.34
